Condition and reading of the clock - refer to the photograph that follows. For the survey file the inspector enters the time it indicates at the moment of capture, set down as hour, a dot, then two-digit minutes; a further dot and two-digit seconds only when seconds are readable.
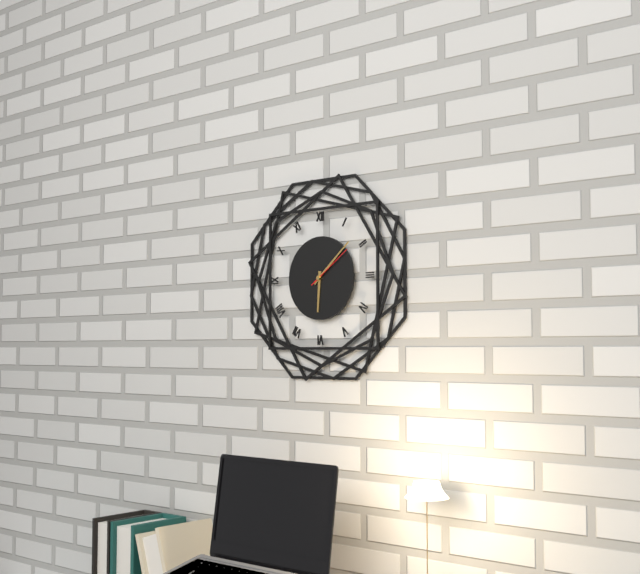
6.08.09
